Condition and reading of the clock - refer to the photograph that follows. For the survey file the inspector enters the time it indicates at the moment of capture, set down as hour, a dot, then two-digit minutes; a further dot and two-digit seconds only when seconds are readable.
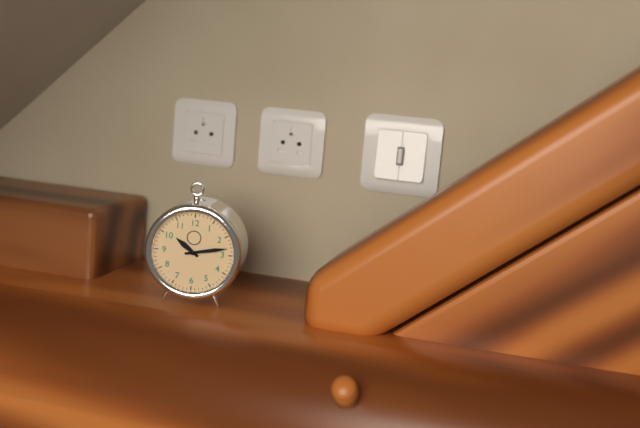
10.13
